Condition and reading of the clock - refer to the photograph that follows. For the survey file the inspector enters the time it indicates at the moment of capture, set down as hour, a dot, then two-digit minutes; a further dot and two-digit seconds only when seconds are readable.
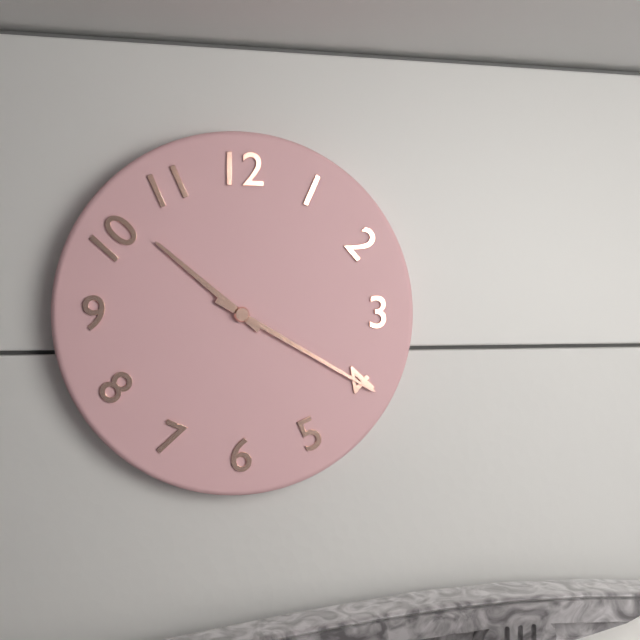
10.20
